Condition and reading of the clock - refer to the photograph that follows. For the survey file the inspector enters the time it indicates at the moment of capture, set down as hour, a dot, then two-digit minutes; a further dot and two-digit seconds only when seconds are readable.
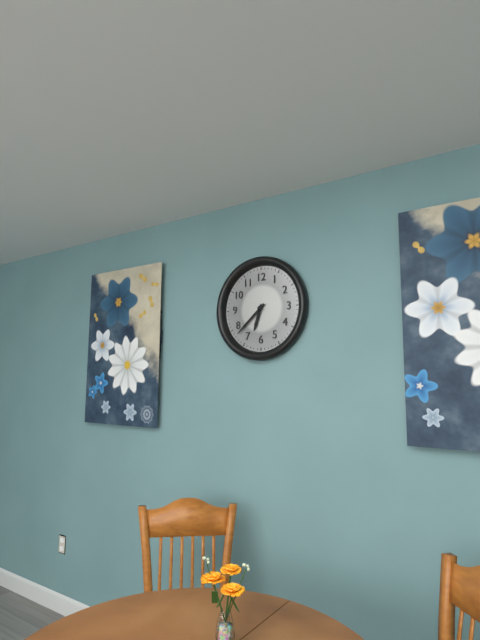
6.38
